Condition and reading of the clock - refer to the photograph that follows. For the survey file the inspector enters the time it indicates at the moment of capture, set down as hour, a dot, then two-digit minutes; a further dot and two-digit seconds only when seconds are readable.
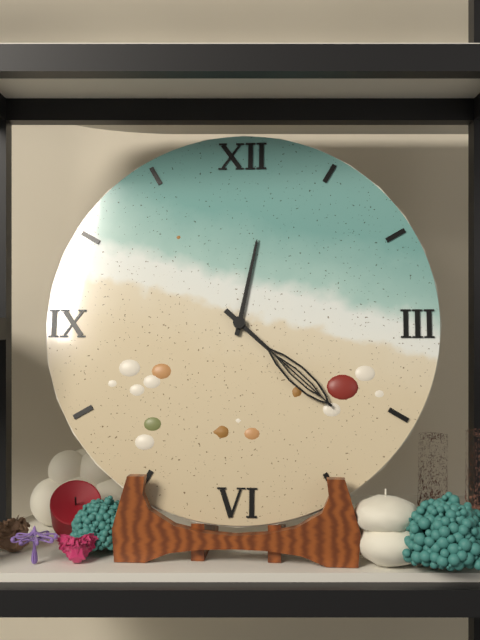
12.22
